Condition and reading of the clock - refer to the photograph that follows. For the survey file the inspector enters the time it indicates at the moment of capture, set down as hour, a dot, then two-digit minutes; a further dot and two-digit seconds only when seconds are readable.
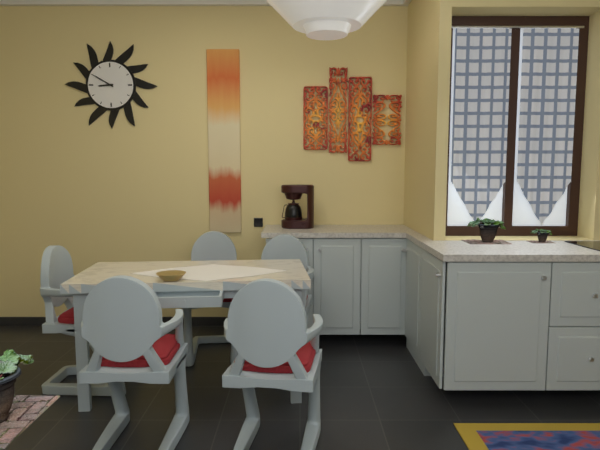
8.50
